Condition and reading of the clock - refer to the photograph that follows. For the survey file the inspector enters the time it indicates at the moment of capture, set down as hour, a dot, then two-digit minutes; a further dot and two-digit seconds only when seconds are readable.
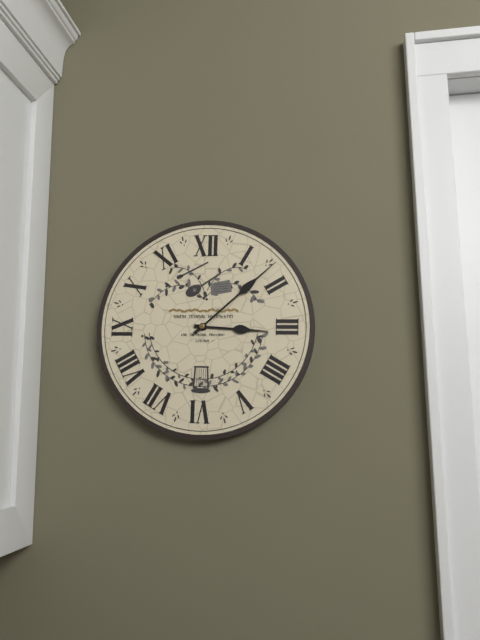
3.08
